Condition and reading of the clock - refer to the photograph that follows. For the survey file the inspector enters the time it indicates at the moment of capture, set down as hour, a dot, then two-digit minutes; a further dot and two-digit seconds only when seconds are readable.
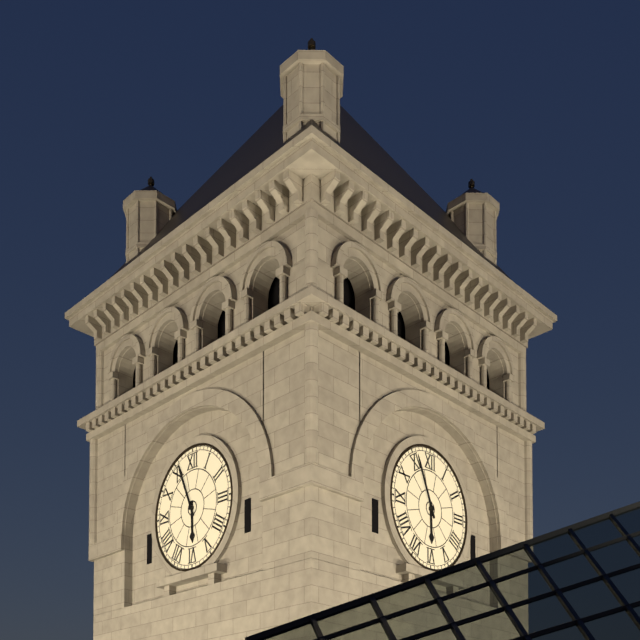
5.56
